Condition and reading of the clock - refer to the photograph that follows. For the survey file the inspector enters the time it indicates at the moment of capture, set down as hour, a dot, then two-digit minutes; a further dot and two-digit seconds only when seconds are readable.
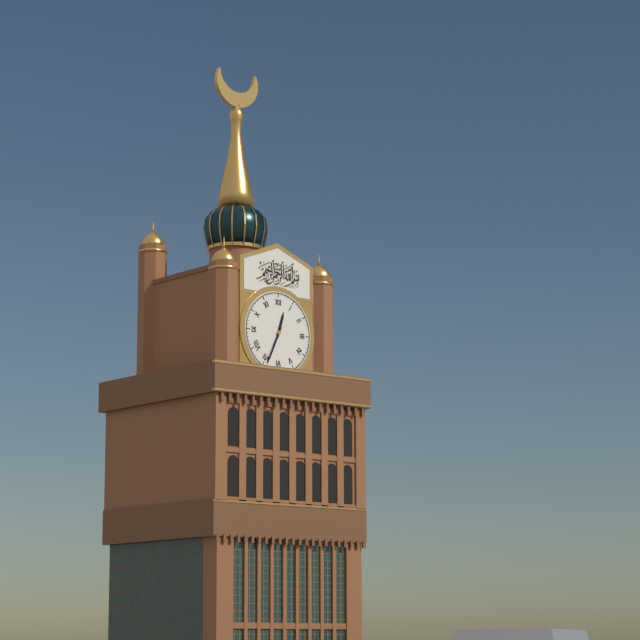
12.34
